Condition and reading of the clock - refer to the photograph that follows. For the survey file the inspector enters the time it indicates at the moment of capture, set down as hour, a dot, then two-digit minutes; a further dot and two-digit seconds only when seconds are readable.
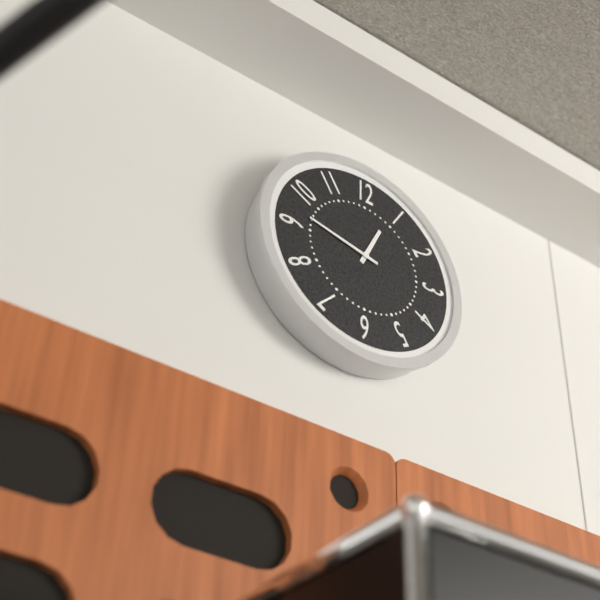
12.47
